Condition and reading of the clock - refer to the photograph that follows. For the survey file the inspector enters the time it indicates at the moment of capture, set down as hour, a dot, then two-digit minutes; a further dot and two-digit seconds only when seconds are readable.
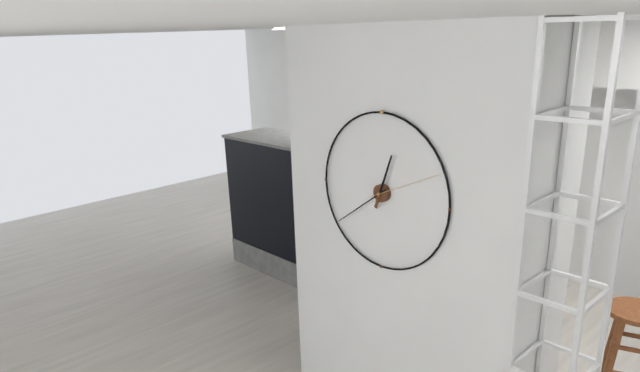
12.39.11
